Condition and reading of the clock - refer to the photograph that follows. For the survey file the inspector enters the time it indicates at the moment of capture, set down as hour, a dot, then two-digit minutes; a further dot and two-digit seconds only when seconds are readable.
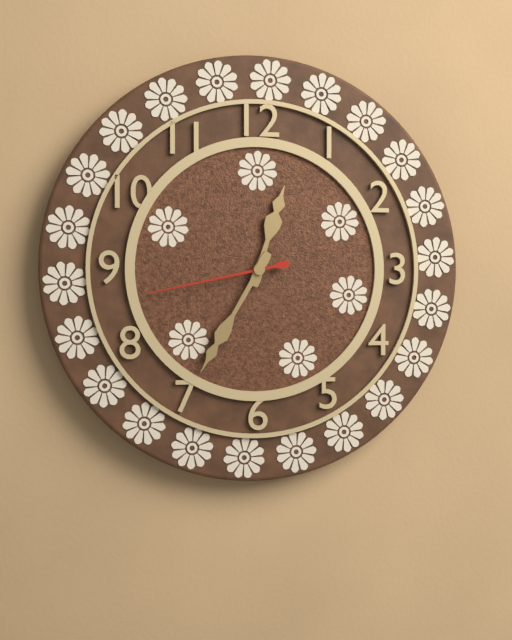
12.35.43
